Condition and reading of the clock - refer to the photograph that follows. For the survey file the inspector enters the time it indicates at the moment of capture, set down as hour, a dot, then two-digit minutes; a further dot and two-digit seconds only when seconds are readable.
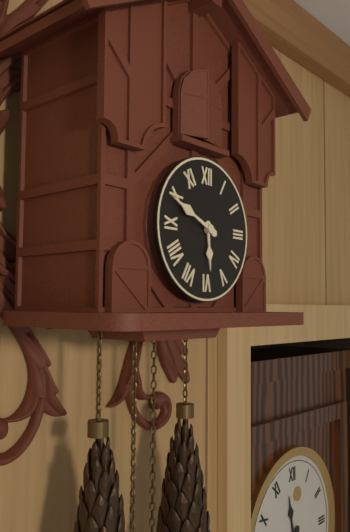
5.49
